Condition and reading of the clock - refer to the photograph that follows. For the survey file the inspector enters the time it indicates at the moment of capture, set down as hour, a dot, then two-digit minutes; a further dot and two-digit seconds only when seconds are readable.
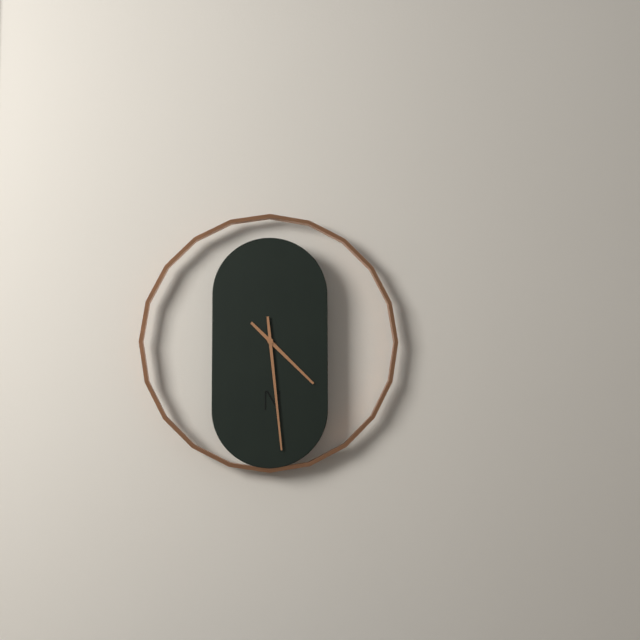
4.29
